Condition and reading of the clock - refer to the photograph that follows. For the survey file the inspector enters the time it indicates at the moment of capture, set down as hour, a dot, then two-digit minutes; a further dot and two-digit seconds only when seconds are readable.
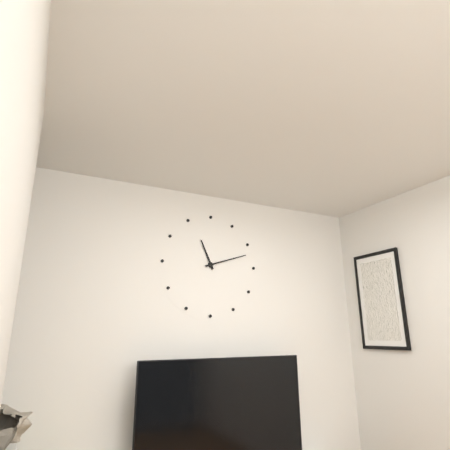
11.12
